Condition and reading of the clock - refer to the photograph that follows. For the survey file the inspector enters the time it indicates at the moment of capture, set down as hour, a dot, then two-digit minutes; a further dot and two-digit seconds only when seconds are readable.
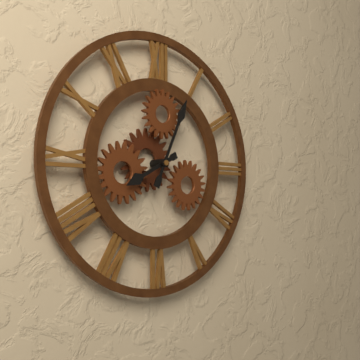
8.04
